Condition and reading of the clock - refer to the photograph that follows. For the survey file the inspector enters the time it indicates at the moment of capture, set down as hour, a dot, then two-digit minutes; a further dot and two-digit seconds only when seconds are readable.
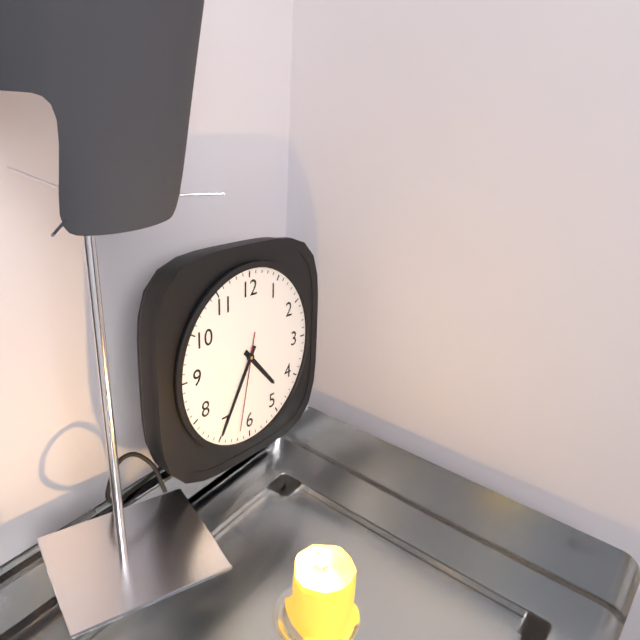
4.35.32
